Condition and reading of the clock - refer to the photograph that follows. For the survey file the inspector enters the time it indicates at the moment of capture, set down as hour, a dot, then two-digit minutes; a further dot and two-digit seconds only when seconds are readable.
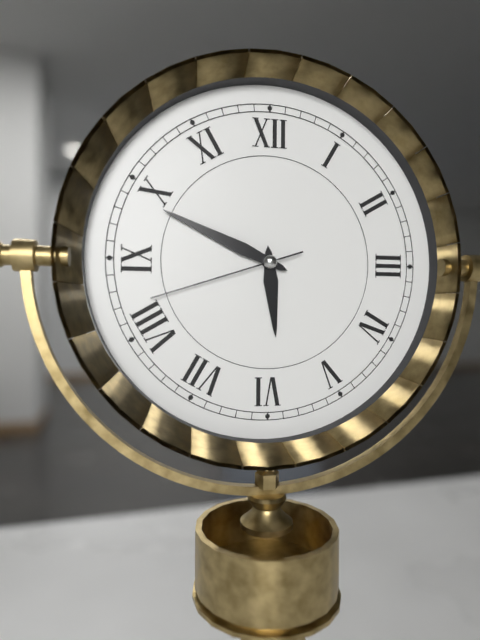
5.49.42
